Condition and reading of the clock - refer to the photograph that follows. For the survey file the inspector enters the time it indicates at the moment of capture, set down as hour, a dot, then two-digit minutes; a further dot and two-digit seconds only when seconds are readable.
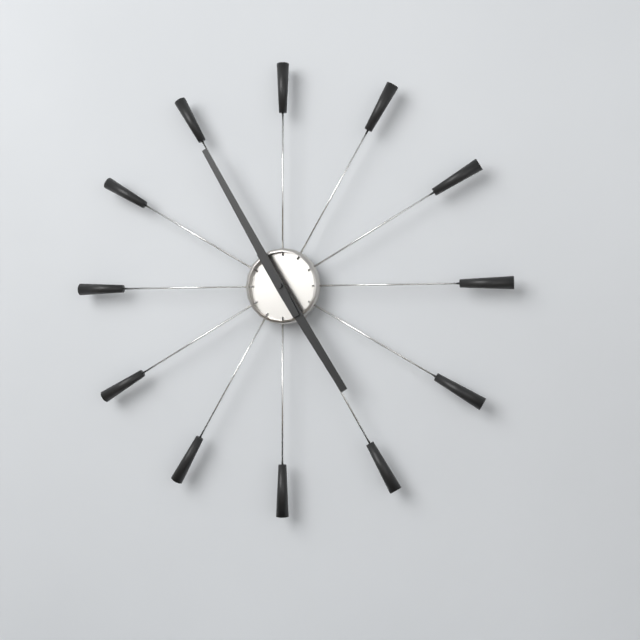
4.55
